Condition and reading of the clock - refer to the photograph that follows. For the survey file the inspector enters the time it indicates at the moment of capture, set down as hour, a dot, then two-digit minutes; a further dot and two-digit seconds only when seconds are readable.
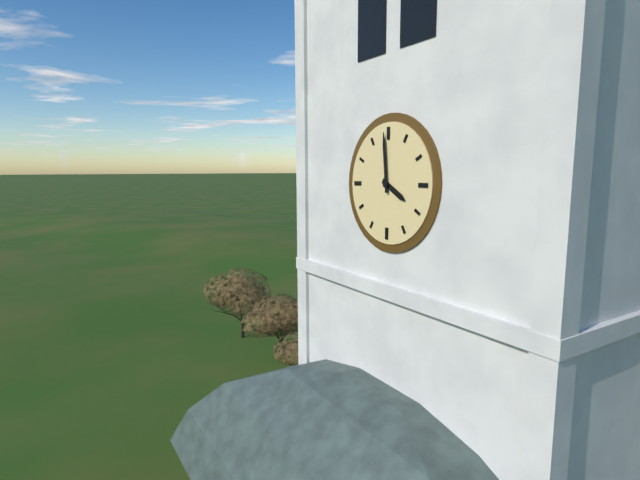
3.59
